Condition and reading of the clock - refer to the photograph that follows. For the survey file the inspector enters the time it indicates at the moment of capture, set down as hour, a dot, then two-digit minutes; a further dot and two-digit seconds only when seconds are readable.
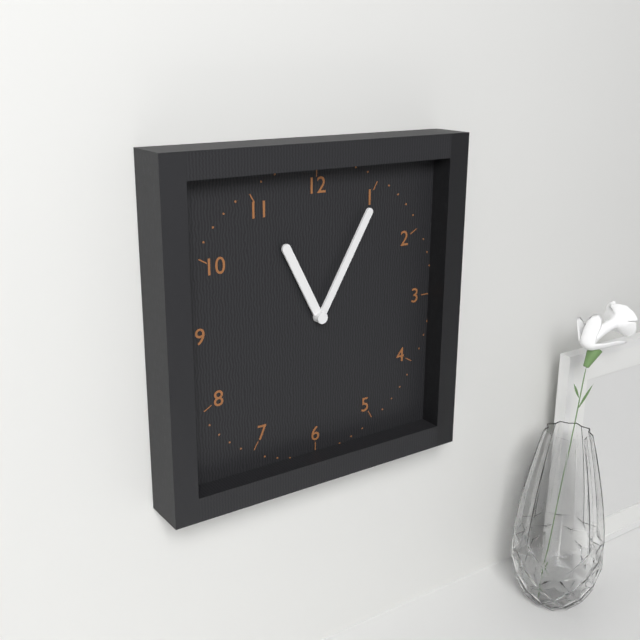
11.05
